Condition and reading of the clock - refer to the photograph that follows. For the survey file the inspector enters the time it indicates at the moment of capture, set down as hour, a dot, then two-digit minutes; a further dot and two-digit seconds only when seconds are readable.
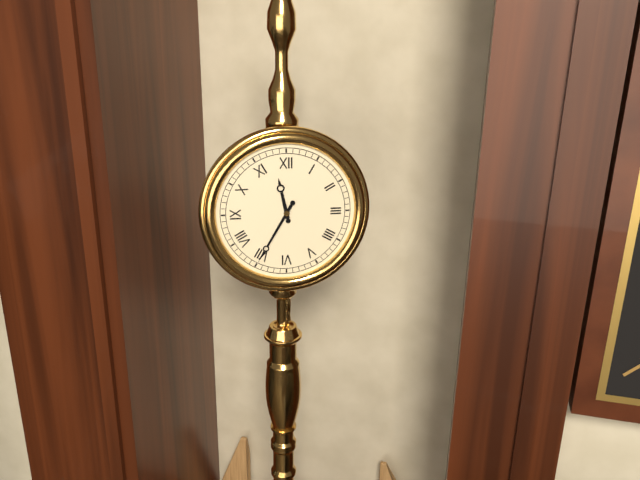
11.35
